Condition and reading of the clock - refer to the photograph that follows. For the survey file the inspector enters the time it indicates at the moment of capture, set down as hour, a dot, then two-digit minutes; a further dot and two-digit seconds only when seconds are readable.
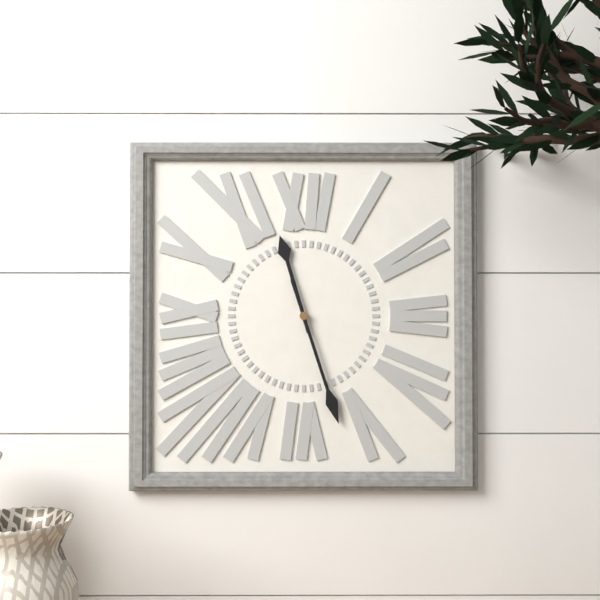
11.27
